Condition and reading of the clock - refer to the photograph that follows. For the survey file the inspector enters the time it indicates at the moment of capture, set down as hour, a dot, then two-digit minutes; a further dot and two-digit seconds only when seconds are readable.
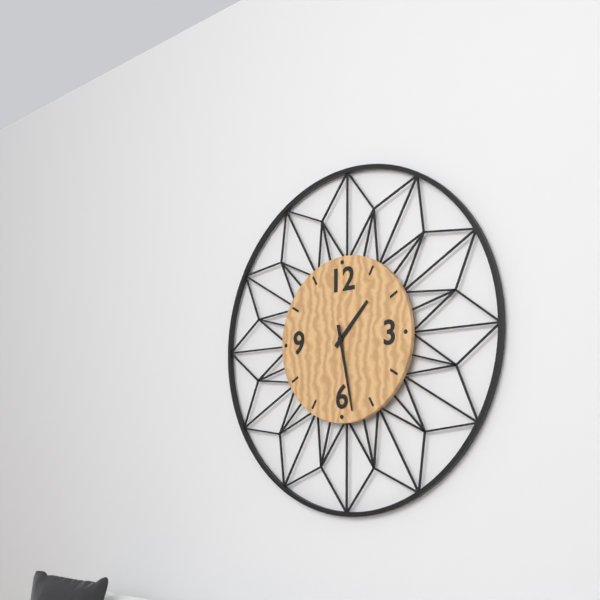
1.28
